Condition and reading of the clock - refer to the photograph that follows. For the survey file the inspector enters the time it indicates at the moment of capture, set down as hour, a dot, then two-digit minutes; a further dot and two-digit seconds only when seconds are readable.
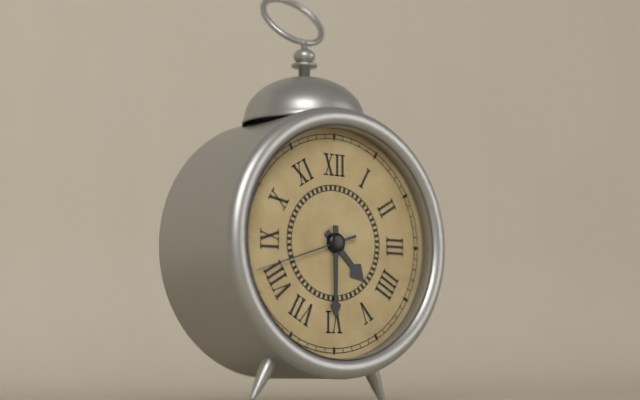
4.30.42
